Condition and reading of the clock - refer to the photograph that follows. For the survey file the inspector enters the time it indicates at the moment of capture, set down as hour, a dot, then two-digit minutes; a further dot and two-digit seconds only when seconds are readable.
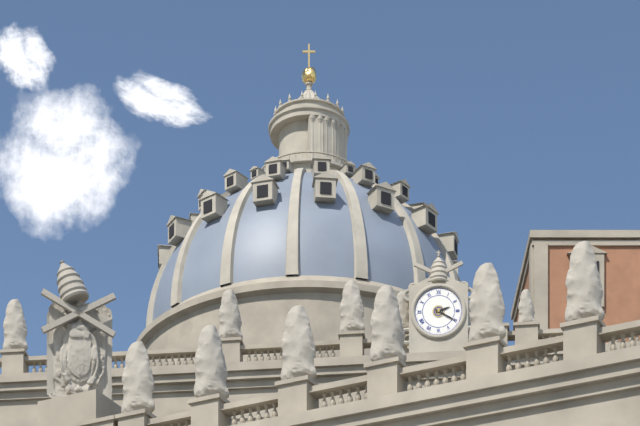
2.20
